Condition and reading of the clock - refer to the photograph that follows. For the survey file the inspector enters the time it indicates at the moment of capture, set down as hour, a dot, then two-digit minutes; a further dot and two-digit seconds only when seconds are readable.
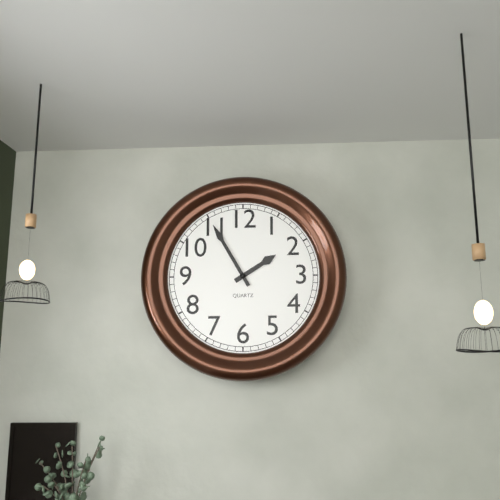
1.55
